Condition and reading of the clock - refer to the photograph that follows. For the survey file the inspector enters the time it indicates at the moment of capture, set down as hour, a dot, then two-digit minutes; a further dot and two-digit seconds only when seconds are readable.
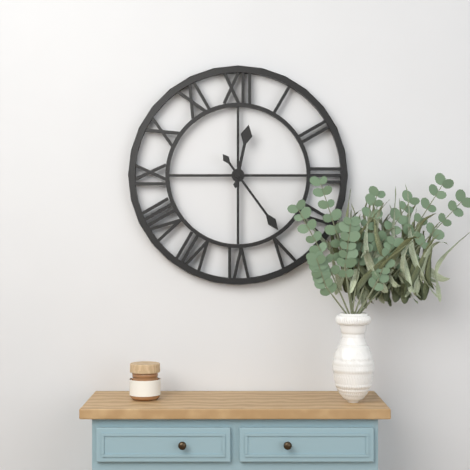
12.24
